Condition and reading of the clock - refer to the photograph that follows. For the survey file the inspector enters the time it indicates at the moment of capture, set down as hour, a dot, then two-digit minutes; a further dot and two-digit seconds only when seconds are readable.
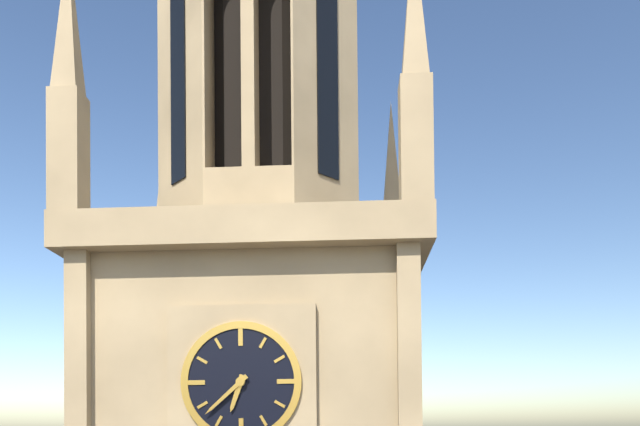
6.38
